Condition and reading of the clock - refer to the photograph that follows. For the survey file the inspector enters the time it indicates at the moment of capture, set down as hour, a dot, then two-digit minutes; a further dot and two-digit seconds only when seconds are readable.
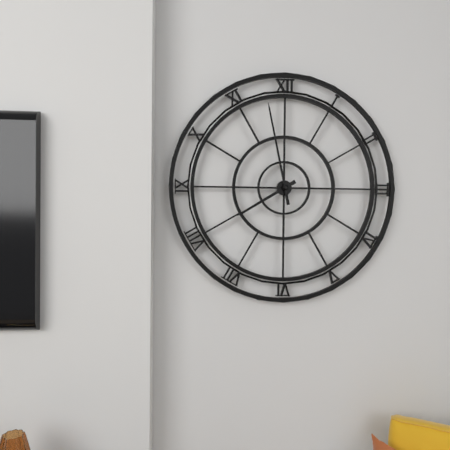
7.58
